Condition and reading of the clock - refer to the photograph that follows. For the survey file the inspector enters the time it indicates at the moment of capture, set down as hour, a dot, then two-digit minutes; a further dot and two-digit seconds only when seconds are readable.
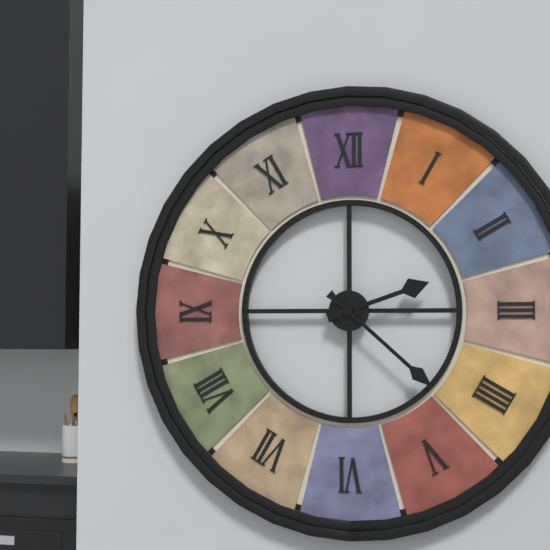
2.22
